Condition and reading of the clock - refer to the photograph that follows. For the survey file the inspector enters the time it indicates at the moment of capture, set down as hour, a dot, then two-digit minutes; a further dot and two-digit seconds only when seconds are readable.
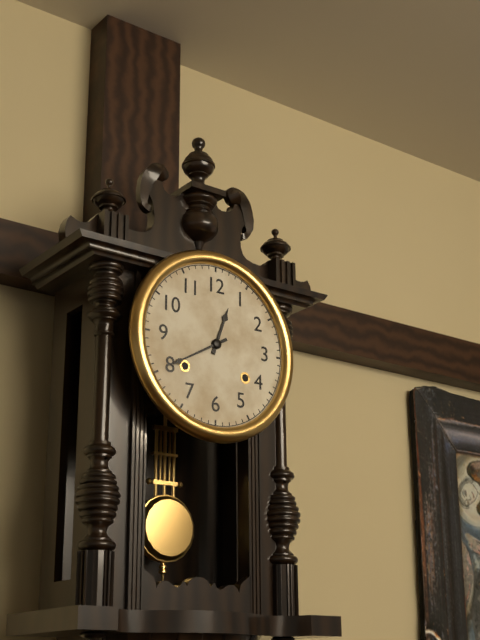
12.40
